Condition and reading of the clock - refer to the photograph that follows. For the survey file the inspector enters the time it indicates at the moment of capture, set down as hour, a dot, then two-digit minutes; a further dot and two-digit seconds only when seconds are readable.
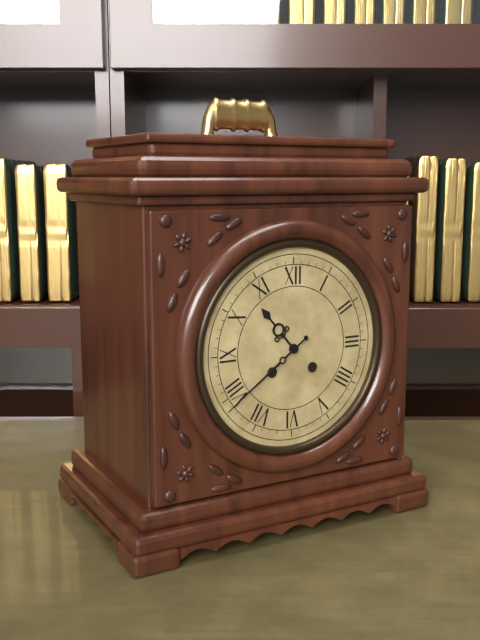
10.39
